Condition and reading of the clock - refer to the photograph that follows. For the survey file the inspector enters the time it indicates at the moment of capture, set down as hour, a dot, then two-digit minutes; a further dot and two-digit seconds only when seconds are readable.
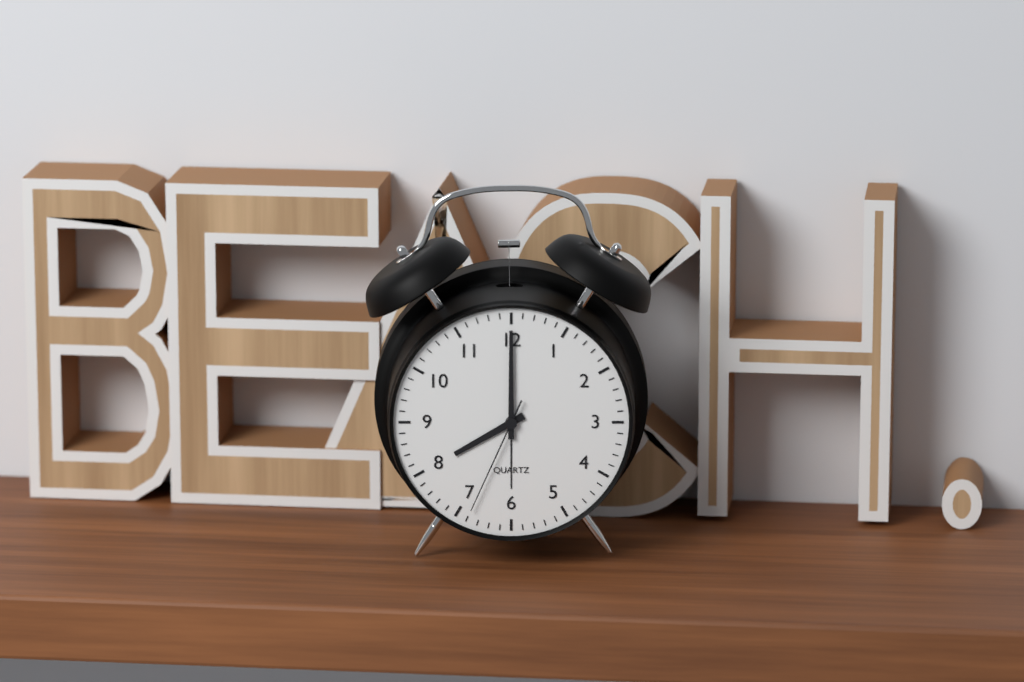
8.00.34
